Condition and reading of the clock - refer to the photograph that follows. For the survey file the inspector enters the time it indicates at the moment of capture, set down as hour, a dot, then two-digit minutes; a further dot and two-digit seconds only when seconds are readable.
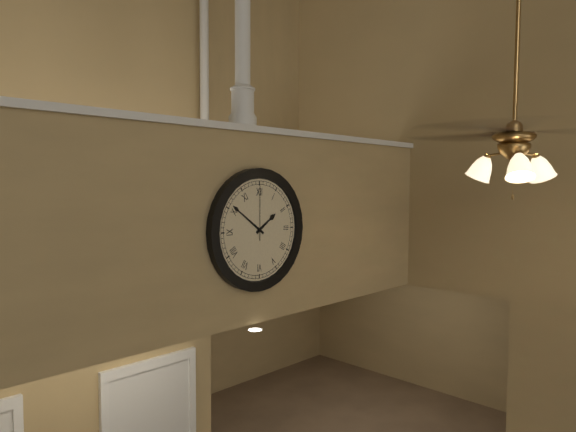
1.51.00
